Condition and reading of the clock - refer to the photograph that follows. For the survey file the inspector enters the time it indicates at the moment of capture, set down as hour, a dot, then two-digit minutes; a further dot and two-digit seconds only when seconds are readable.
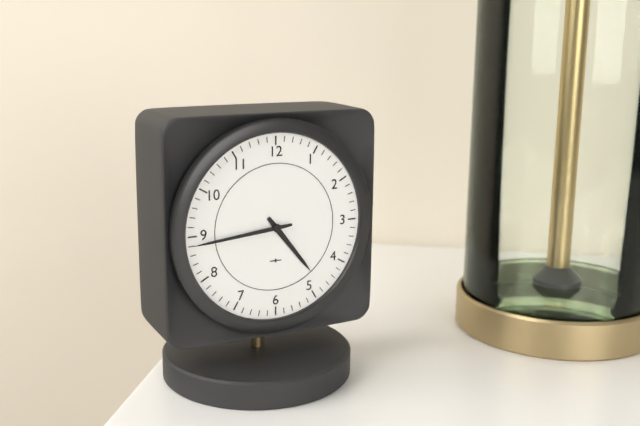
4.44
